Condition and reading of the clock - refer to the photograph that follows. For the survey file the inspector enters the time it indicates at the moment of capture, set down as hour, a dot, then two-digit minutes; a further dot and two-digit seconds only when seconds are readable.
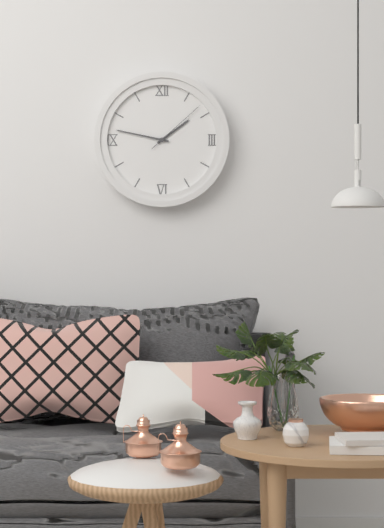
1.47.08
